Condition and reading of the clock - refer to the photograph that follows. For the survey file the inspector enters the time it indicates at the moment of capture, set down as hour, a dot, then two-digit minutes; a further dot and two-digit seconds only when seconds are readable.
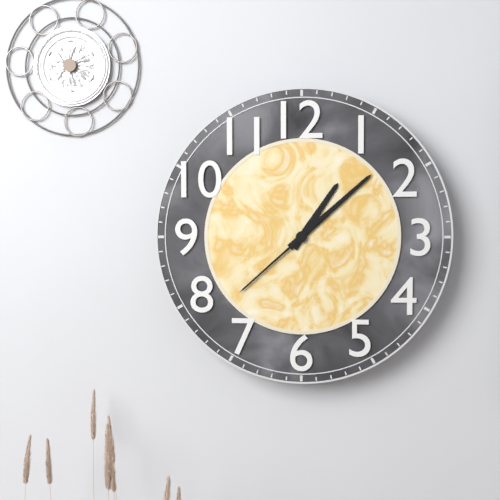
1.08.38
